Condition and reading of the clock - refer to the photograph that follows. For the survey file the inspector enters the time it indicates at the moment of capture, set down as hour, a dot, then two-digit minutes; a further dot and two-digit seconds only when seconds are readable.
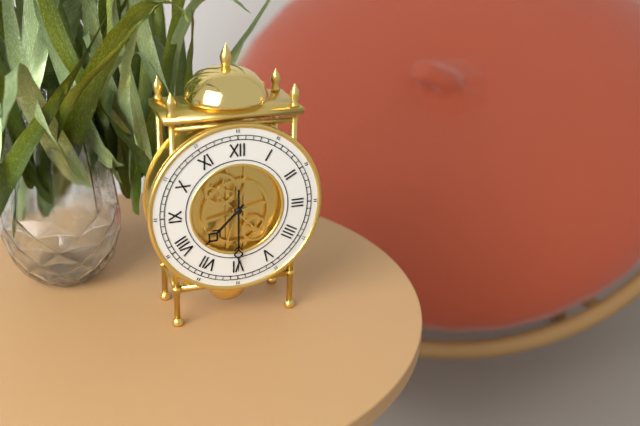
7.30
